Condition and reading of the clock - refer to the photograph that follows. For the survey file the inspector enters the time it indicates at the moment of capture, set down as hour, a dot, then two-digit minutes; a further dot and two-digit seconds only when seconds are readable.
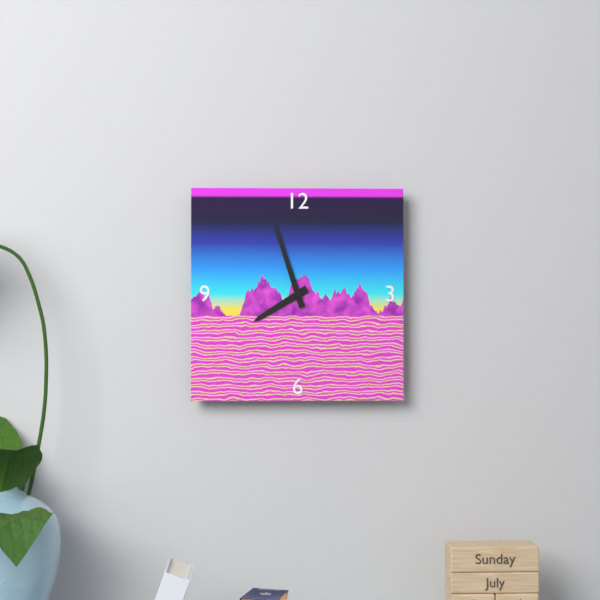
7.57
